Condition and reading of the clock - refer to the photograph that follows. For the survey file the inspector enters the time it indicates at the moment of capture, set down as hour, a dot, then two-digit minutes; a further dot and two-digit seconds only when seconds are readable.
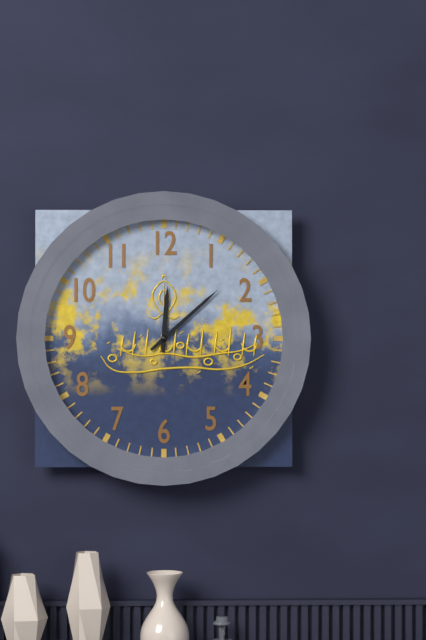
12.08
